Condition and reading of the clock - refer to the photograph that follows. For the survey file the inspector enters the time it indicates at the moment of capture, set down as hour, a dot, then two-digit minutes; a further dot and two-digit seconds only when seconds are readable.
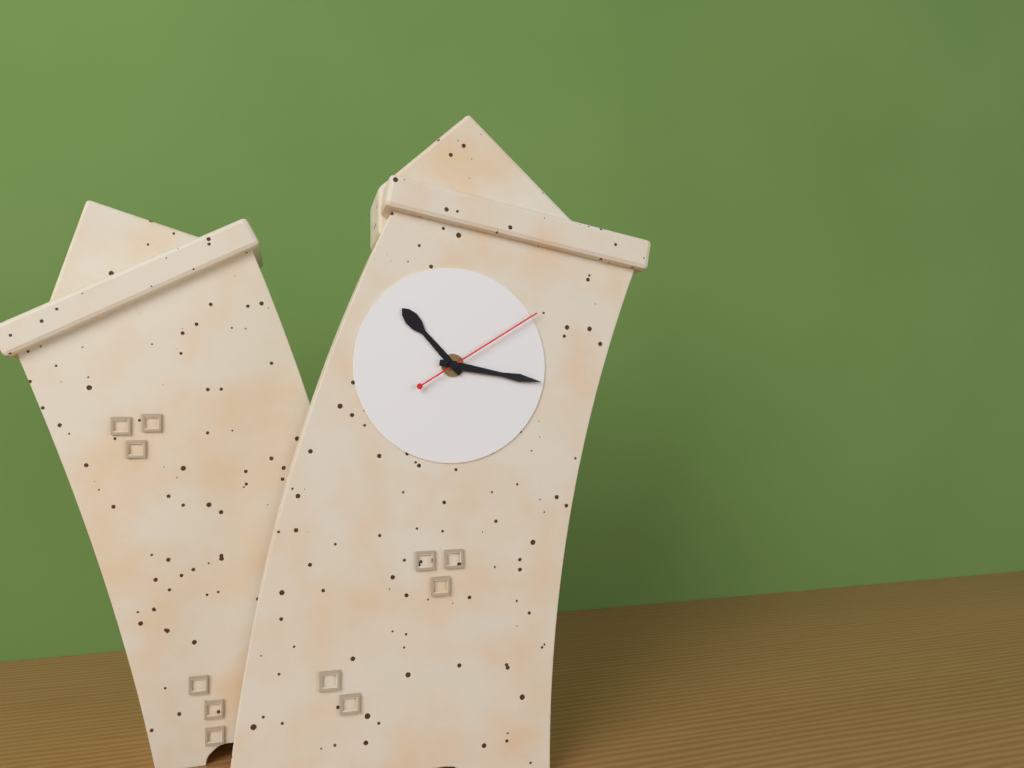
10.15.08
